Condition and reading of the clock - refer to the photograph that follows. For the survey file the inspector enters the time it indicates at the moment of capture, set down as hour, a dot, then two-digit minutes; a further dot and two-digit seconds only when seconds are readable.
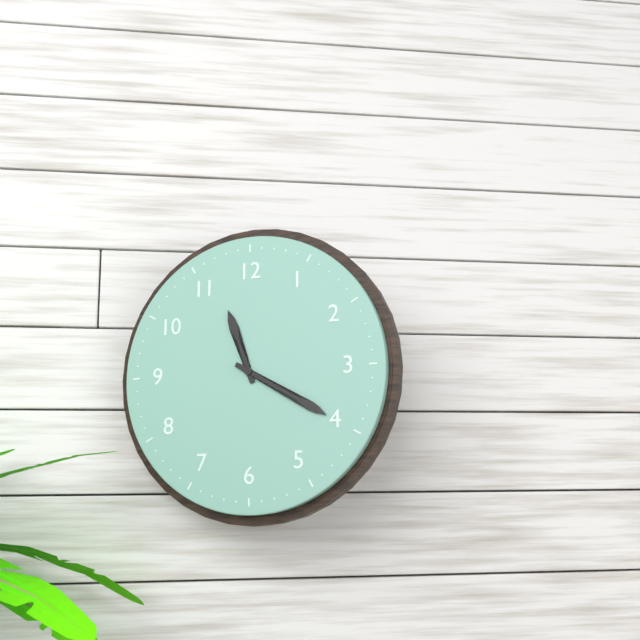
11.20
